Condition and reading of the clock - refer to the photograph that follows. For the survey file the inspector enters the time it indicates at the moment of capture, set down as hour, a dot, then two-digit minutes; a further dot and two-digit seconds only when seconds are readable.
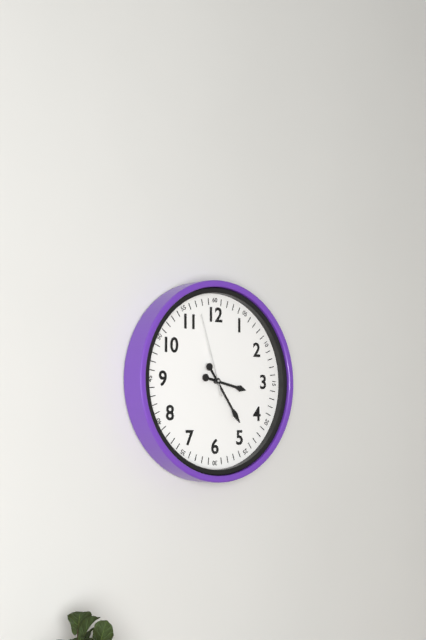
3.24.57
